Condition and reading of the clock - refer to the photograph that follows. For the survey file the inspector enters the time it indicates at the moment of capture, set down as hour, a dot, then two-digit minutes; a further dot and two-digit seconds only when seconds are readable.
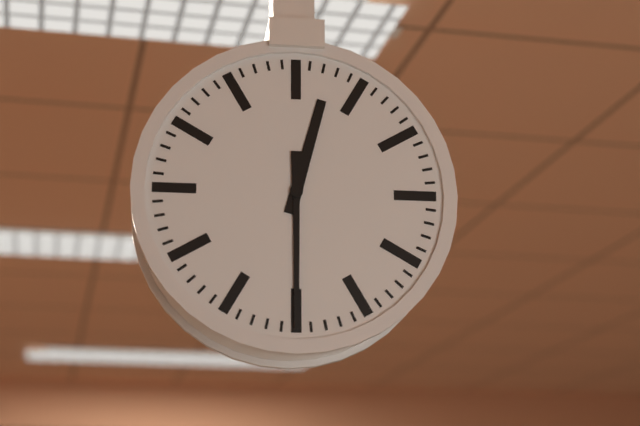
12.30
